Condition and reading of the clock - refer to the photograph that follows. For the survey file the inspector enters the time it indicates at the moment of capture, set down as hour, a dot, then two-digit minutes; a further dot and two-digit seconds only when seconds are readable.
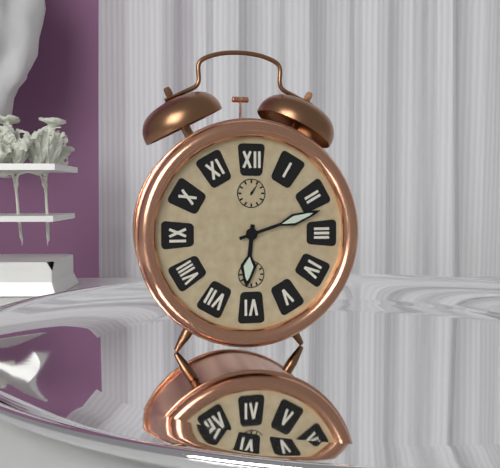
6.12
